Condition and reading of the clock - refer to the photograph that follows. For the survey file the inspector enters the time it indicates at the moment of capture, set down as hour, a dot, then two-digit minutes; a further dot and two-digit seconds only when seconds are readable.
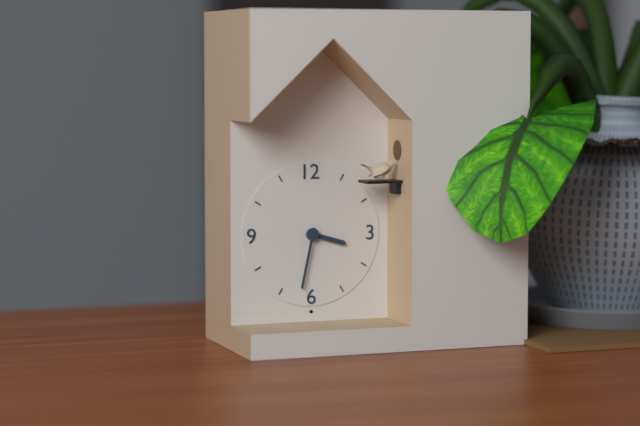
3.32
